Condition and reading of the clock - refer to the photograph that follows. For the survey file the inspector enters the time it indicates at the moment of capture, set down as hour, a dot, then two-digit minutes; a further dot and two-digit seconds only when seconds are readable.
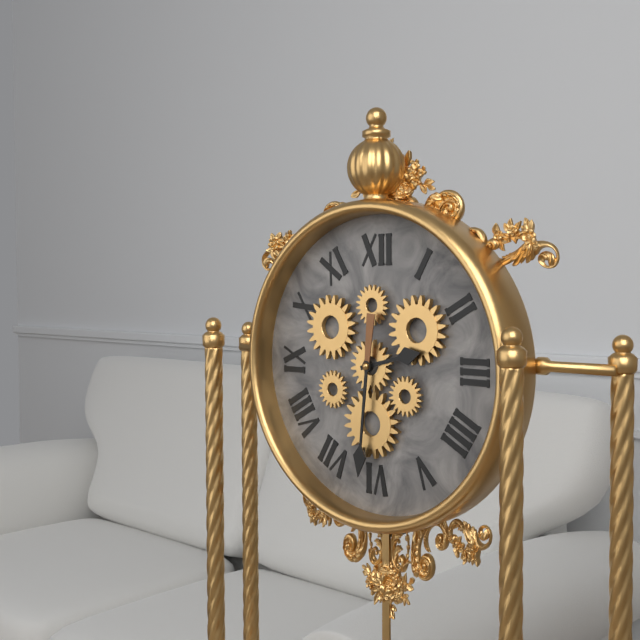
2.31
